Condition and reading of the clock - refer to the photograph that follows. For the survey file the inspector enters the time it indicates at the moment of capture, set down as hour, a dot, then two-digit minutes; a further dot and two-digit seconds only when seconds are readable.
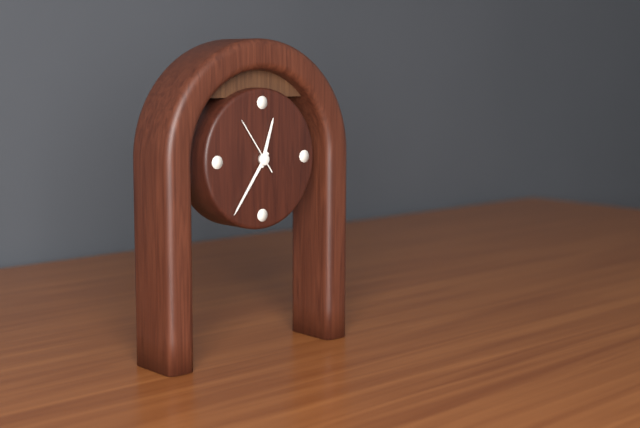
12.36.54
